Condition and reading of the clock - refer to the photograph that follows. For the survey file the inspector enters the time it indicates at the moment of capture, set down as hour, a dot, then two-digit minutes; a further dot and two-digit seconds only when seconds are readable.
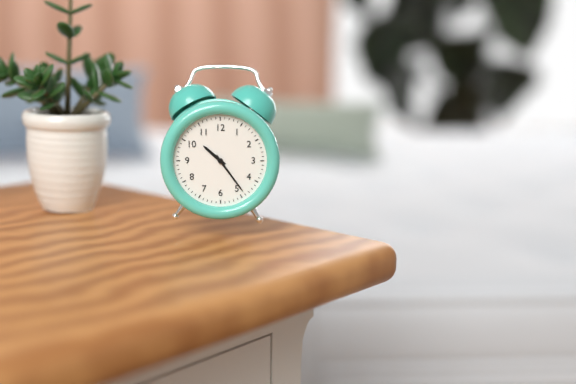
10.24
